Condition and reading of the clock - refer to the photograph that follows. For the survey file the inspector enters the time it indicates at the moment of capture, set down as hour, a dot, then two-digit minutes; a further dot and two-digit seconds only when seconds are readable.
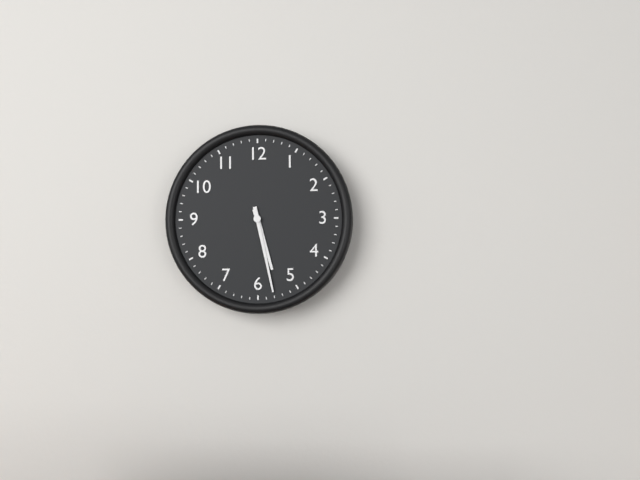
5.28
